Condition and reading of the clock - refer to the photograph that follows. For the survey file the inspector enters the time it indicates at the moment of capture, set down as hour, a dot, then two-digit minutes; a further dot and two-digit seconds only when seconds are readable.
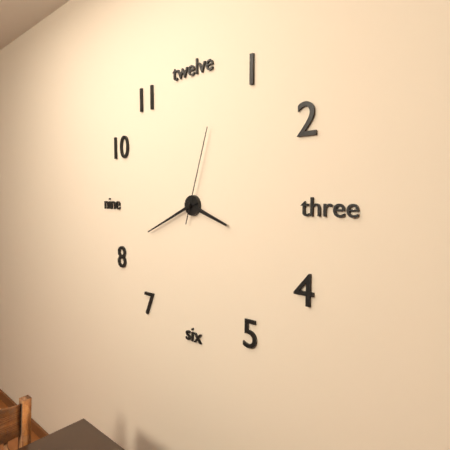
3.41.03
